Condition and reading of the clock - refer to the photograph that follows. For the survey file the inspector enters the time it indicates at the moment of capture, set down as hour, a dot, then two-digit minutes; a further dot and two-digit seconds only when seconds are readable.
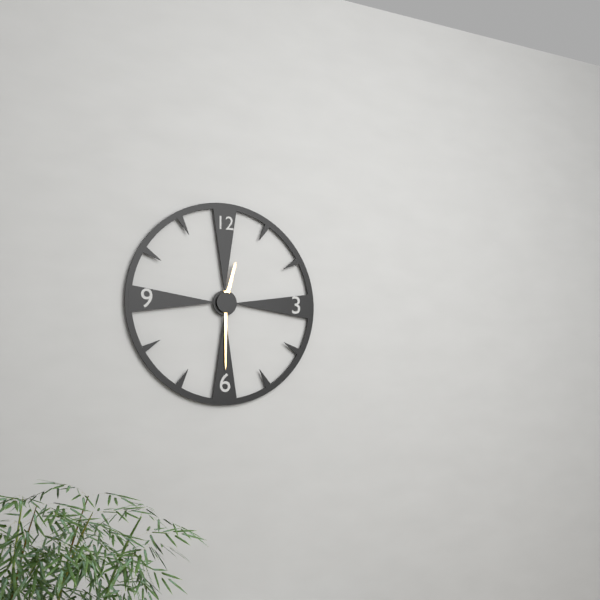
12.30
